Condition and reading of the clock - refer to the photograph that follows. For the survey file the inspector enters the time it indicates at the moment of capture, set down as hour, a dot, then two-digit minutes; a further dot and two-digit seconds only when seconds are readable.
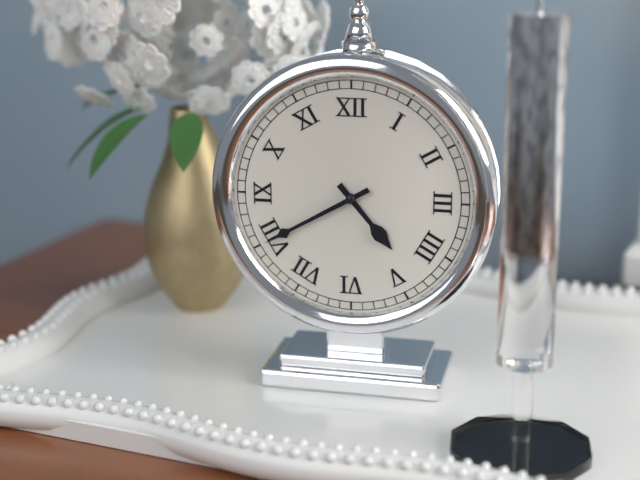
4.40
